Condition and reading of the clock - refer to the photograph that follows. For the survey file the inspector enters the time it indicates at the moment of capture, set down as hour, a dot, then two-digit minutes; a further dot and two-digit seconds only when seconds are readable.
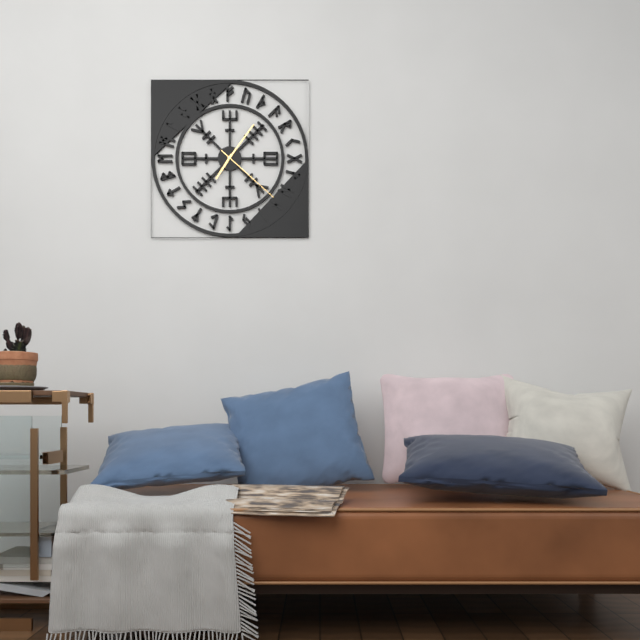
7.06.22
